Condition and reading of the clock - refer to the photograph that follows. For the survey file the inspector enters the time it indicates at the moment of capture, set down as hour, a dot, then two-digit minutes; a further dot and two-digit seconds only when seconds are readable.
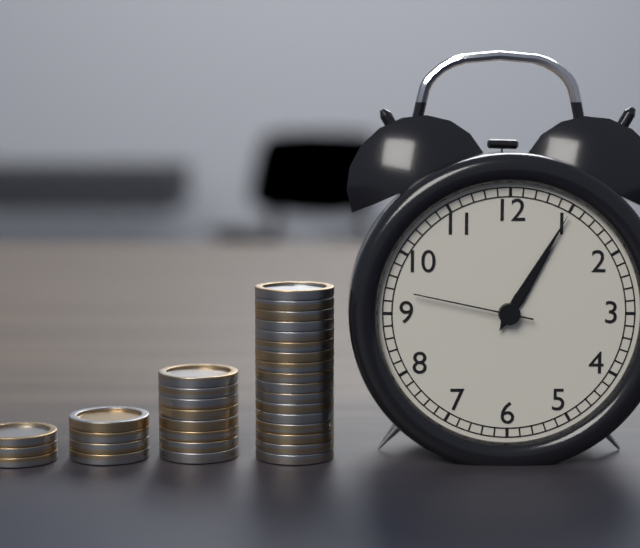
1.05.47
